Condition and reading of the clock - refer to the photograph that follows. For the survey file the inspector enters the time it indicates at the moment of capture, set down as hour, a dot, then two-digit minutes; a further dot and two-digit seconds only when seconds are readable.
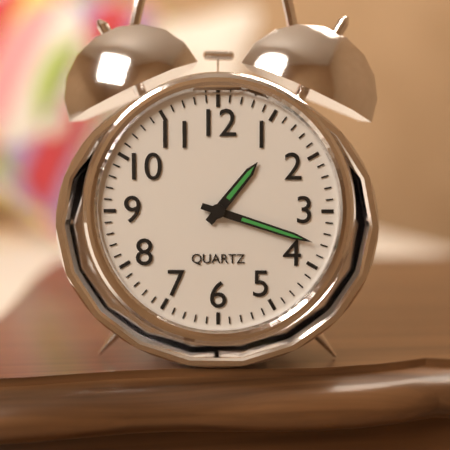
1.18
